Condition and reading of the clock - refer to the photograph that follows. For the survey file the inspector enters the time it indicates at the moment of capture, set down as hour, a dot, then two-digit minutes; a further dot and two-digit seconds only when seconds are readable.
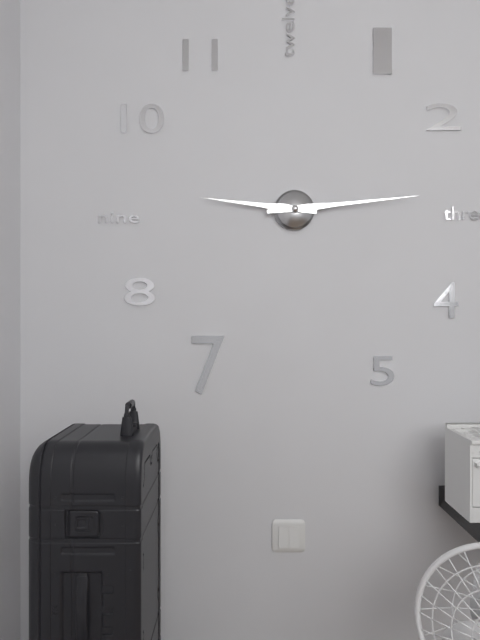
9.14
